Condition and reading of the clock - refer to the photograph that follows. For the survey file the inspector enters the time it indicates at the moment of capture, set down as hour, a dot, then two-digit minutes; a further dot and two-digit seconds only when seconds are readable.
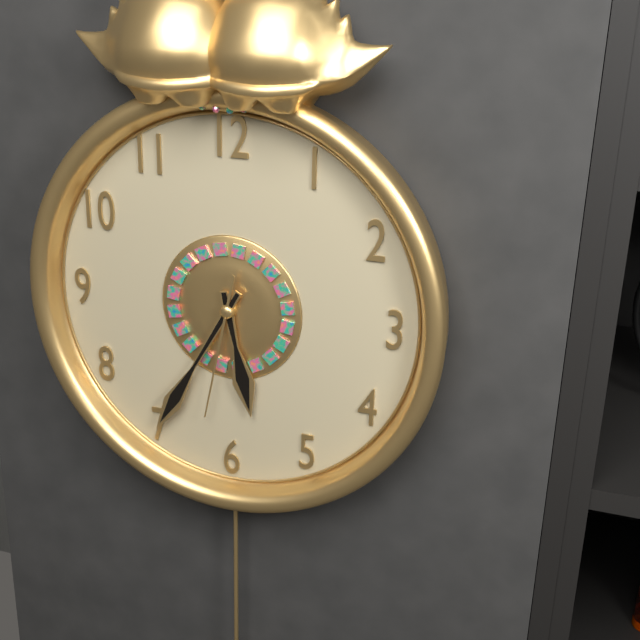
5.35.32
